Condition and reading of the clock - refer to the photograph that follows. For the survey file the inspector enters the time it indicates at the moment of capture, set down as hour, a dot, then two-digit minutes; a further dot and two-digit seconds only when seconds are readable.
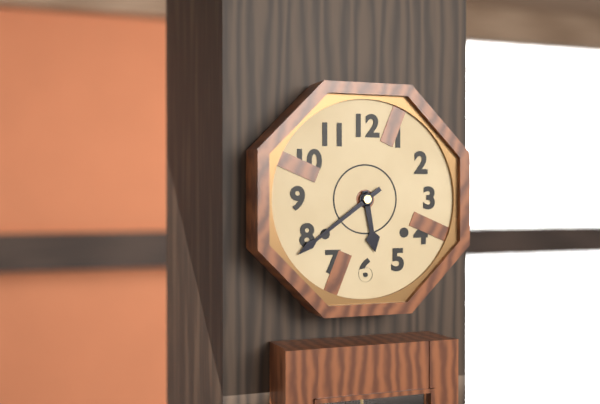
5.39
